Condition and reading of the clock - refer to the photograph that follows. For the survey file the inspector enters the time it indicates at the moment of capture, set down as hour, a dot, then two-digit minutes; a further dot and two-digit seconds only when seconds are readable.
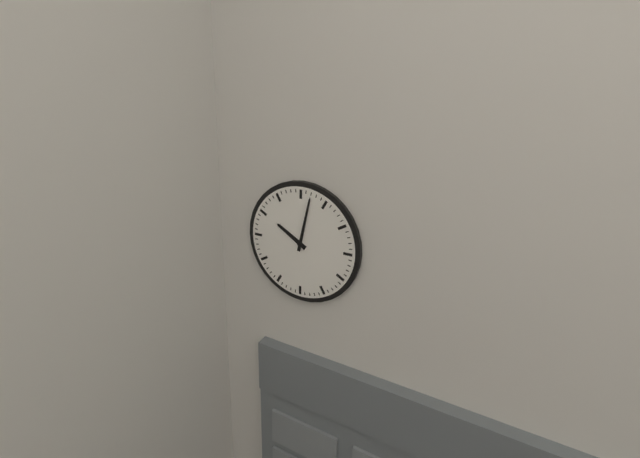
10.02
